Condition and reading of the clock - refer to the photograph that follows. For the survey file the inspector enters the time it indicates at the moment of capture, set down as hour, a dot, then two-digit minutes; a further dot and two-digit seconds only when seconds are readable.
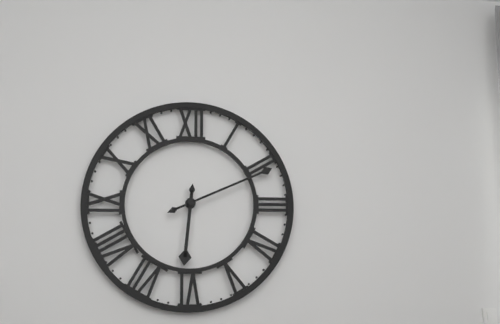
6.11
